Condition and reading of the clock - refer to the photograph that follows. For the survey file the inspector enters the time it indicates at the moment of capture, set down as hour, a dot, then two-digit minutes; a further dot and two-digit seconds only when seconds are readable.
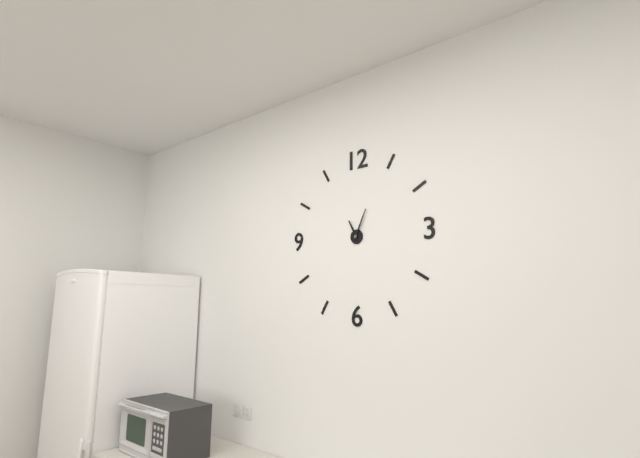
11.04
